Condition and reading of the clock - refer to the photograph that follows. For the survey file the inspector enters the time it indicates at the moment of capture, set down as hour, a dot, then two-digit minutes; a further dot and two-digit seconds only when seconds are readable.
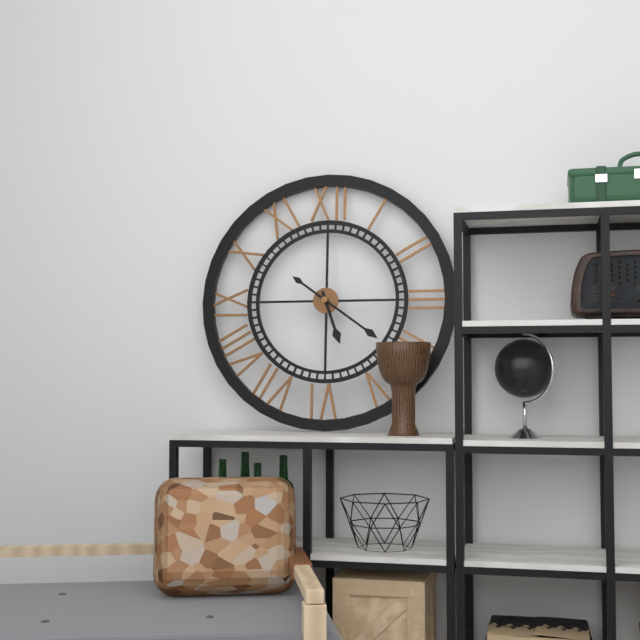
5.21
